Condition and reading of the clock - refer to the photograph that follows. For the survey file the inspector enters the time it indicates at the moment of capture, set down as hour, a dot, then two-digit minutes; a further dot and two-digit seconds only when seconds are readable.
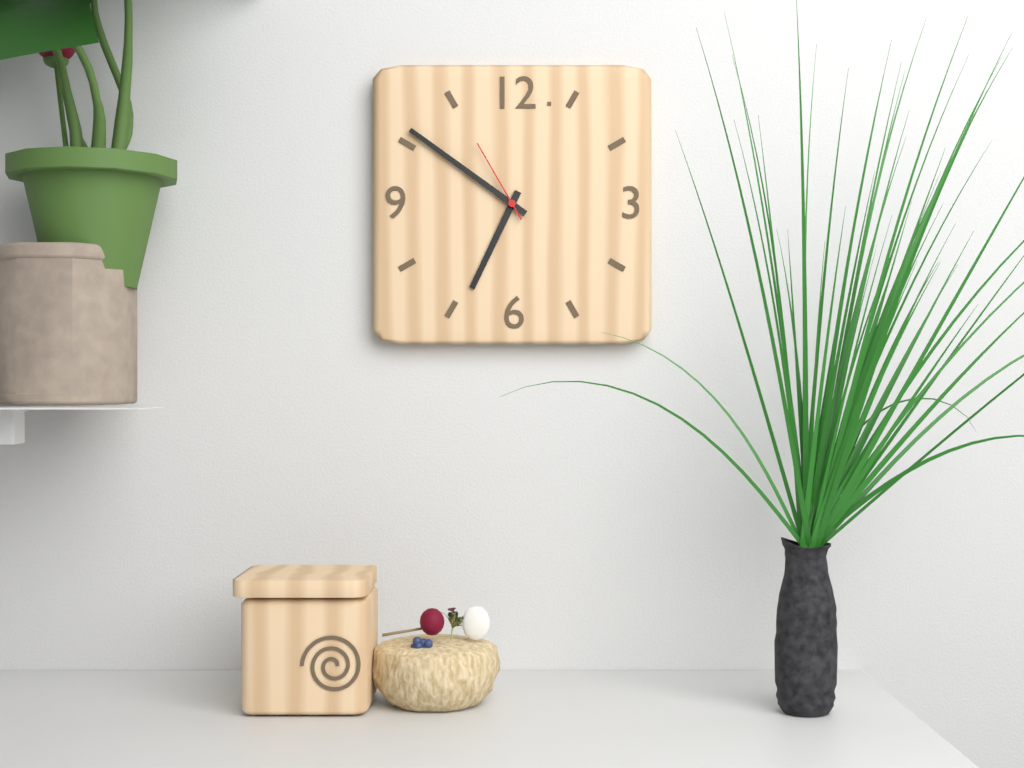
6.51.55
